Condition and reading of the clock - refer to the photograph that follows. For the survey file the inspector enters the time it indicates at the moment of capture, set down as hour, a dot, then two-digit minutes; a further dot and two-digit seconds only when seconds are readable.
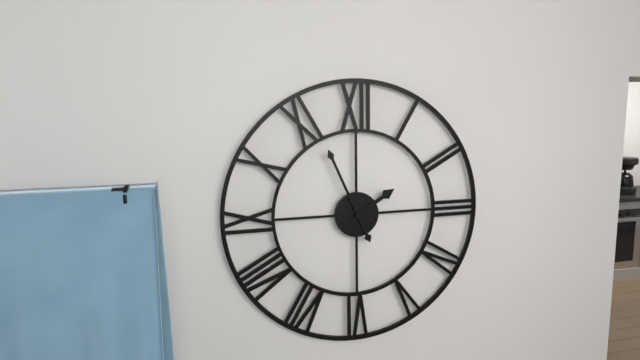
1.56
